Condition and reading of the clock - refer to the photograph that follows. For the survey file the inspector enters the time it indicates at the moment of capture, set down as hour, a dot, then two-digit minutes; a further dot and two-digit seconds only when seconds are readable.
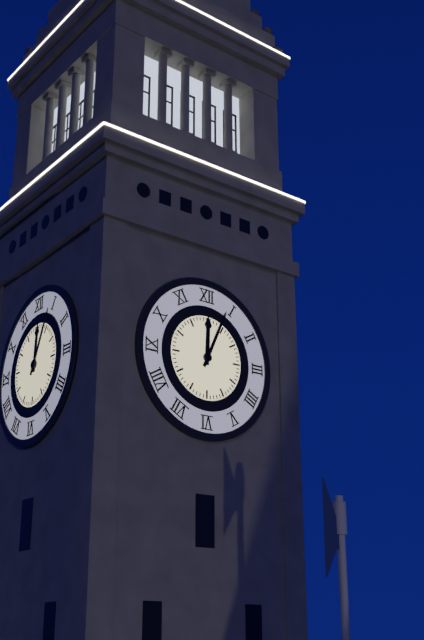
12.04
